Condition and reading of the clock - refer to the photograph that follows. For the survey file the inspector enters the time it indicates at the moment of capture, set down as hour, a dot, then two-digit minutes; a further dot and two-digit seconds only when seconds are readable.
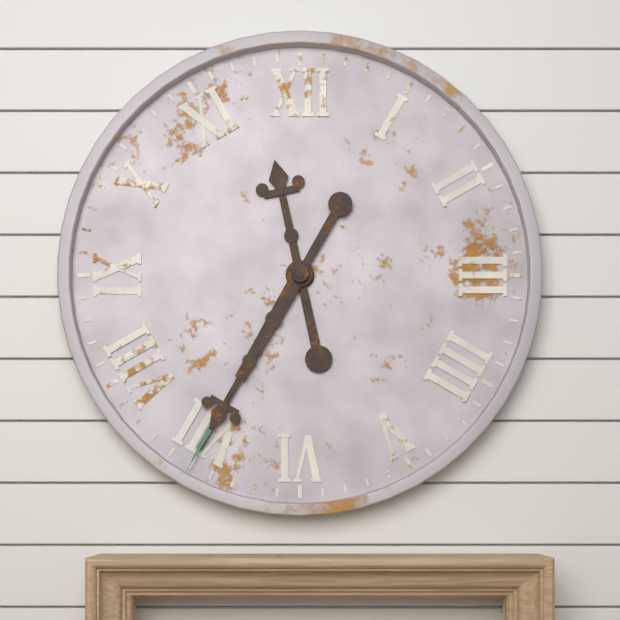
11.35
